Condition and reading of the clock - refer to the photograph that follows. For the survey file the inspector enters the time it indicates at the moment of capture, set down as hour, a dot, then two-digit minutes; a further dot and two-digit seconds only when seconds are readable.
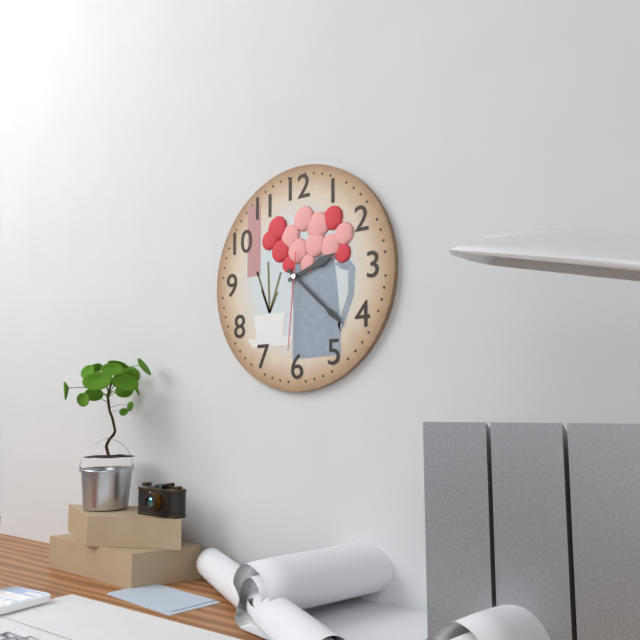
2.22.31
